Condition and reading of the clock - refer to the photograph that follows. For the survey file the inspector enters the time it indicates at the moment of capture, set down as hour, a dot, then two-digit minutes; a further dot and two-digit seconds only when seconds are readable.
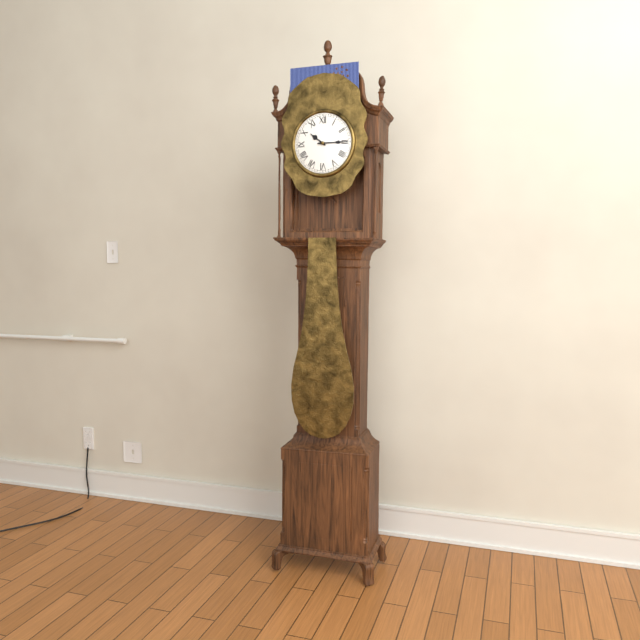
10.15
